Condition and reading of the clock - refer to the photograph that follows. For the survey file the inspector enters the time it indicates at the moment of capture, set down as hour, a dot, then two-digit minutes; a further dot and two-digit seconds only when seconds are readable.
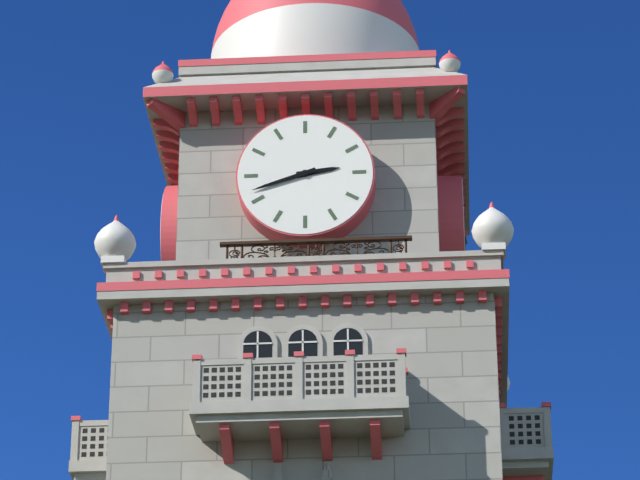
2.42
